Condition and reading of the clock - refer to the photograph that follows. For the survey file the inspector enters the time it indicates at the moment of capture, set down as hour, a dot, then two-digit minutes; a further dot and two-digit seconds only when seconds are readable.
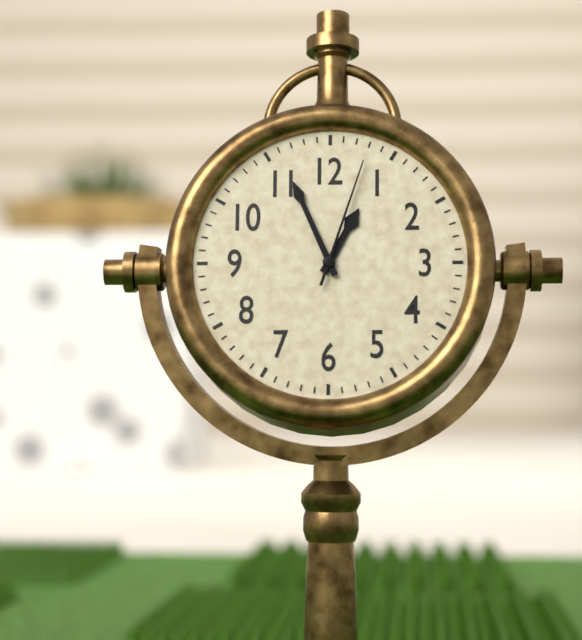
12.56.03
